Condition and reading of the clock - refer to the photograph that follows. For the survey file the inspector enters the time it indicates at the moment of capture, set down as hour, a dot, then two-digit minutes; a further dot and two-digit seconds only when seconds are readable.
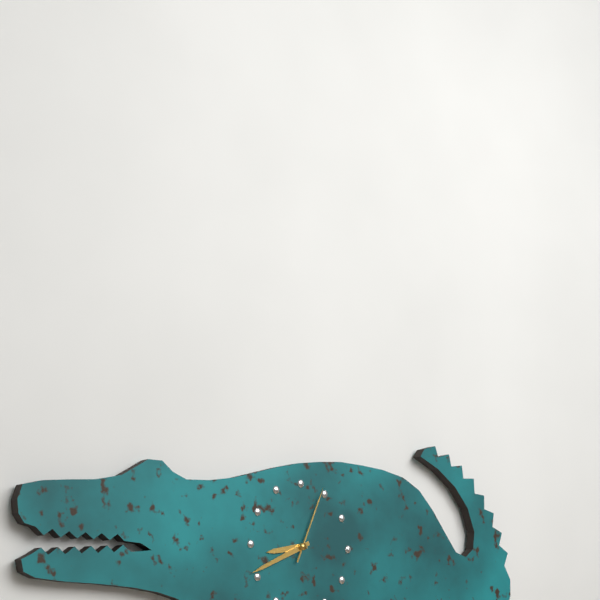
8.41.04
